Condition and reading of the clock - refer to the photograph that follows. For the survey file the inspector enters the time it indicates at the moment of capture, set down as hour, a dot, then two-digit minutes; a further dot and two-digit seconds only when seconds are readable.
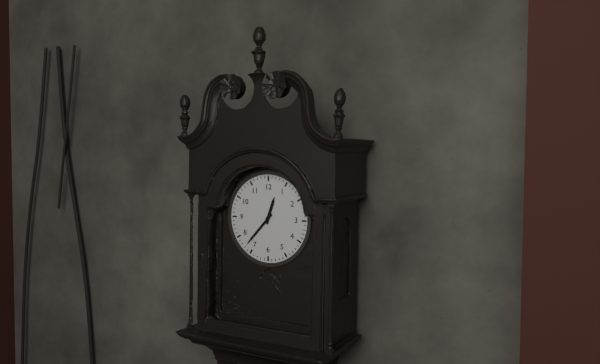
12.37
